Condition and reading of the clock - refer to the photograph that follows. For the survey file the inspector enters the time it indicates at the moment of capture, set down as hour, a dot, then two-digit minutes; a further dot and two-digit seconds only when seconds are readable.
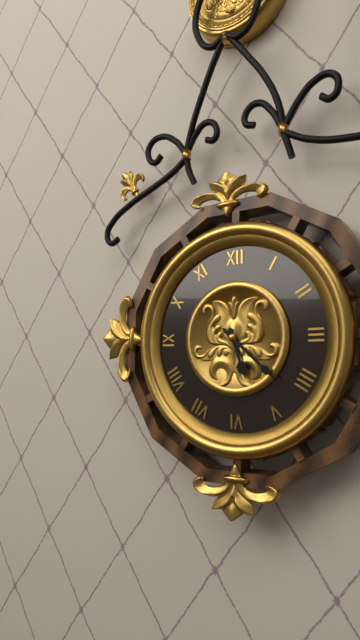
5.22
